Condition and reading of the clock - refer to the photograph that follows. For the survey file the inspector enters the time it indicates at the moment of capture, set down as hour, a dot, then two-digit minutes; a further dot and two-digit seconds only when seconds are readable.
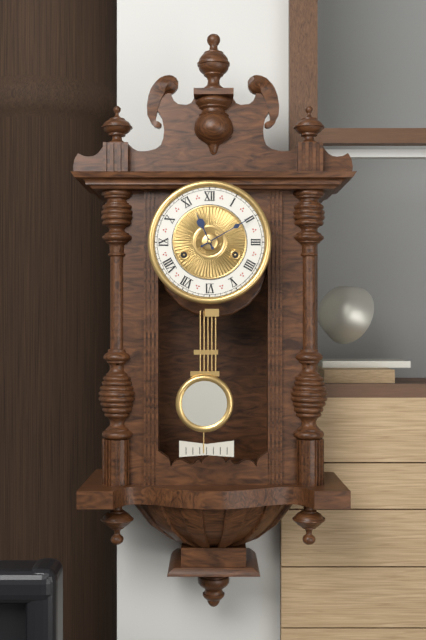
11.10
